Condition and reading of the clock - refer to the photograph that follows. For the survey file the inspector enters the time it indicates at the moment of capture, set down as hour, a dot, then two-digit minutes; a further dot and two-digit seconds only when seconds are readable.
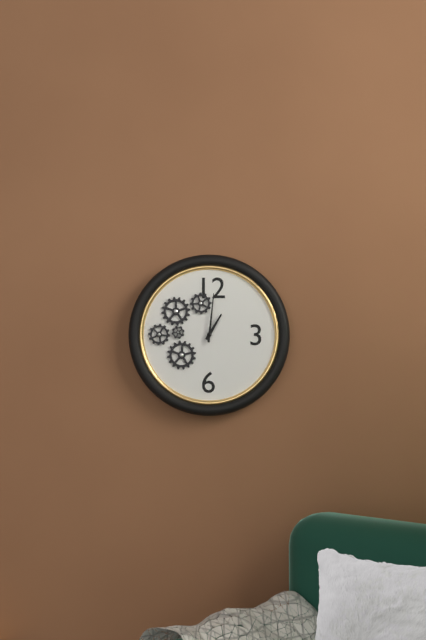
1.01
